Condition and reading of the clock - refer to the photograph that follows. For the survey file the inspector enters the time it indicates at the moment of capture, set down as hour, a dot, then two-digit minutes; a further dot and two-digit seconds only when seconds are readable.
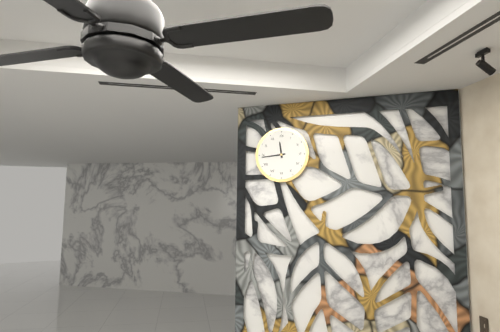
11.44
